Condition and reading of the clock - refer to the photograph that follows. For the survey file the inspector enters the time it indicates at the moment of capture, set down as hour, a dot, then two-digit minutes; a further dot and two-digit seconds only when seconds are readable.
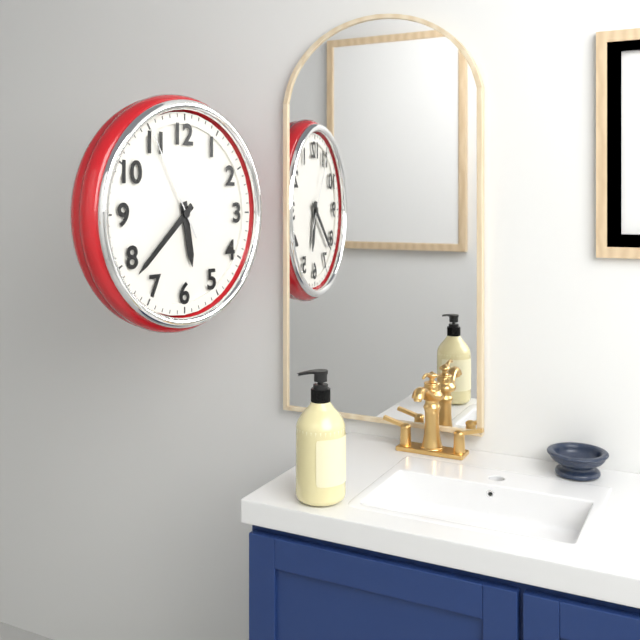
5.38.55
